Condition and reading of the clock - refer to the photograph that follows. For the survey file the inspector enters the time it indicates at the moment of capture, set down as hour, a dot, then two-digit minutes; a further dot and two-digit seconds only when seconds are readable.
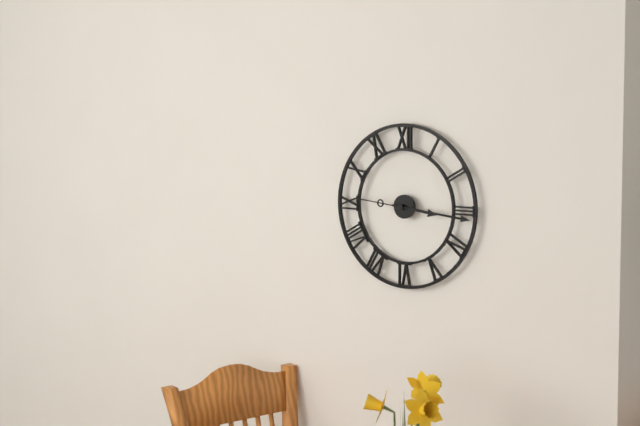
3.16.16
